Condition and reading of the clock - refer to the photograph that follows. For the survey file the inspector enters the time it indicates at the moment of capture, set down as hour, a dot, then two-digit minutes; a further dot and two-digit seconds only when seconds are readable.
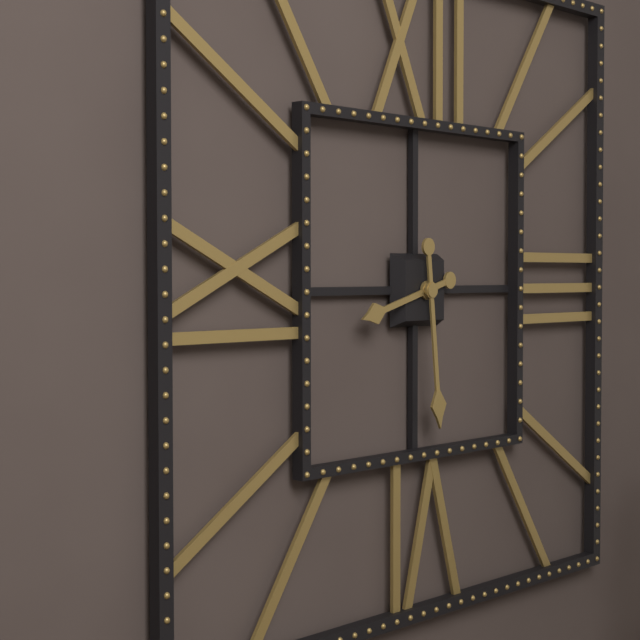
8.29
